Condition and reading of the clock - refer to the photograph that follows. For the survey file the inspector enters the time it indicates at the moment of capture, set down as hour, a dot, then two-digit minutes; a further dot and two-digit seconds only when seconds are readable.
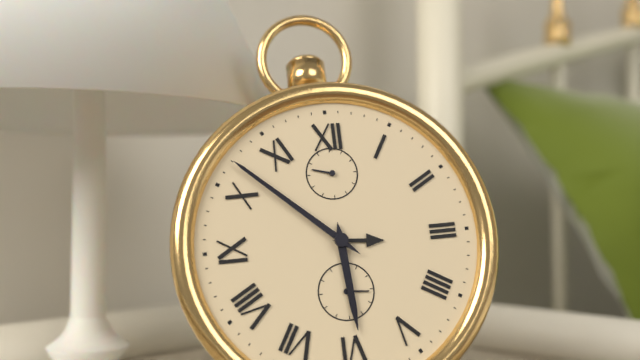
5.52
